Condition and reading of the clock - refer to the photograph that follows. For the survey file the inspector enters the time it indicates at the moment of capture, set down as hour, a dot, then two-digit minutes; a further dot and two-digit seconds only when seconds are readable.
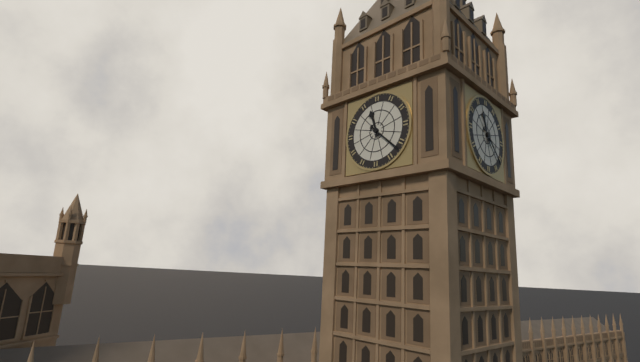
11.22
